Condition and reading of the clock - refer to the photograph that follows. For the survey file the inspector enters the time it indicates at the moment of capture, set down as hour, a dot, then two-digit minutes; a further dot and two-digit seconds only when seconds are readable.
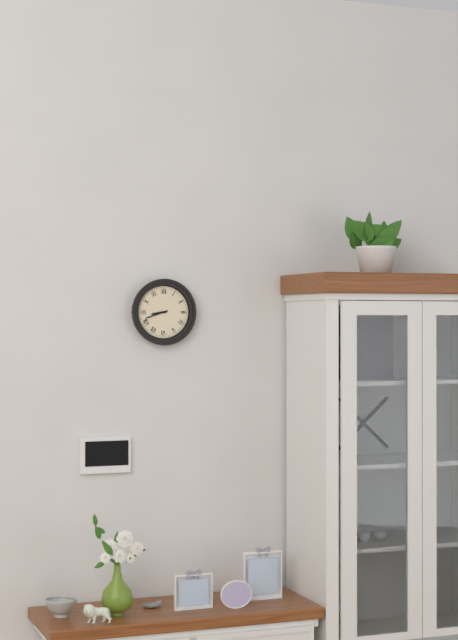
8.42
